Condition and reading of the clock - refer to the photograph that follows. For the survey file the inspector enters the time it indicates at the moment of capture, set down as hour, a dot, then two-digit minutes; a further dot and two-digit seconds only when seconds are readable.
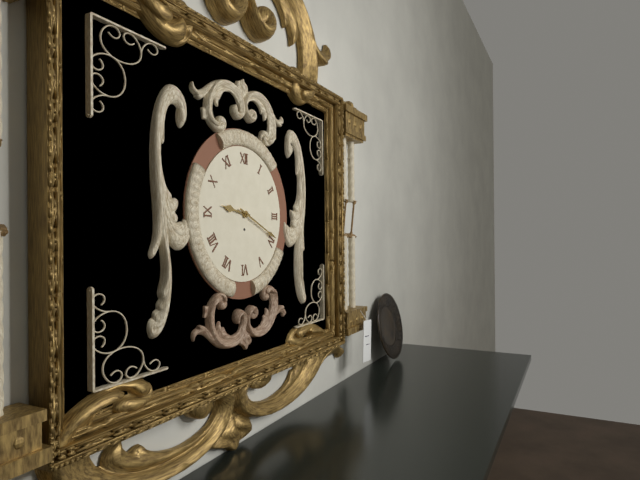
9.19
